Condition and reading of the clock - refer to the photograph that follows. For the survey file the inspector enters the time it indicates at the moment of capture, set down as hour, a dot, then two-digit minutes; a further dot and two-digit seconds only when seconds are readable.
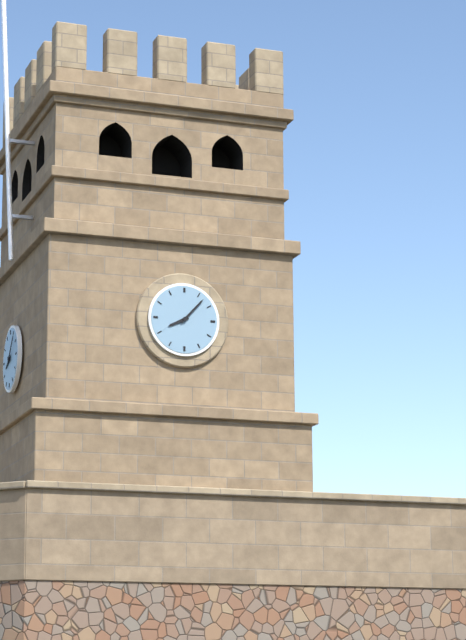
8.07
